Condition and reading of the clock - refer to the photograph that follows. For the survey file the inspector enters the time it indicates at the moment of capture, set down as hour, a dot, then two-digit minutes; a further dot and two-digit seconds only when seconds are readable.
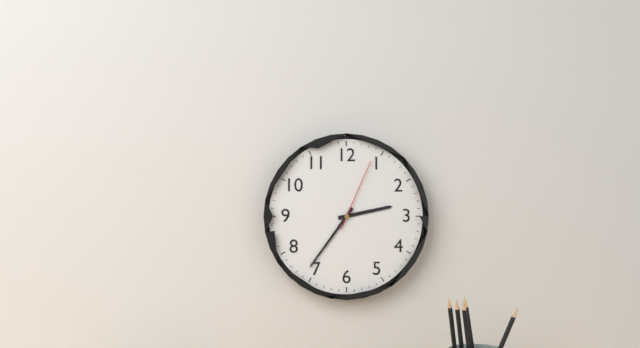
2.36.04
